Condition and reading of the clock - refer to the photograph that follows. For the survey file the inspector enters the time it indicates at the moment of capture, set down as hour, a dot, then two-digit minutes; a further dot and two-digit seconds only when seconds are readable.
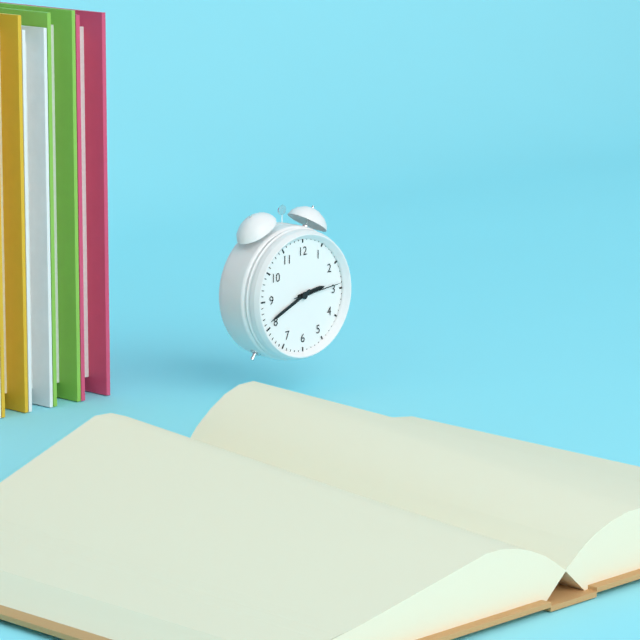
2.41.14
